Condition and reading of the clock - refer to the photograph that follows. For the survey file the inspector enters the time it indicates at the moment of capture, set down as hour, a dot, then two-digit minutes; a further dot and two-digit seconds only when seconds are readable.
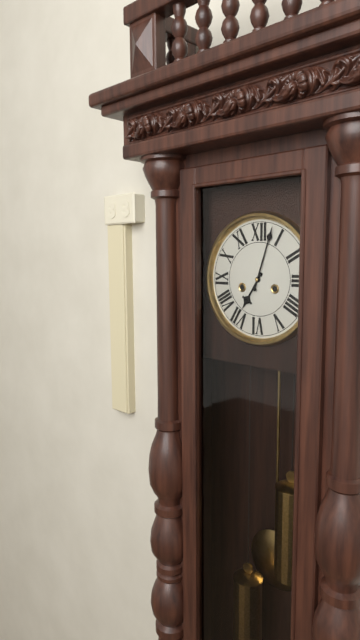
7.03
